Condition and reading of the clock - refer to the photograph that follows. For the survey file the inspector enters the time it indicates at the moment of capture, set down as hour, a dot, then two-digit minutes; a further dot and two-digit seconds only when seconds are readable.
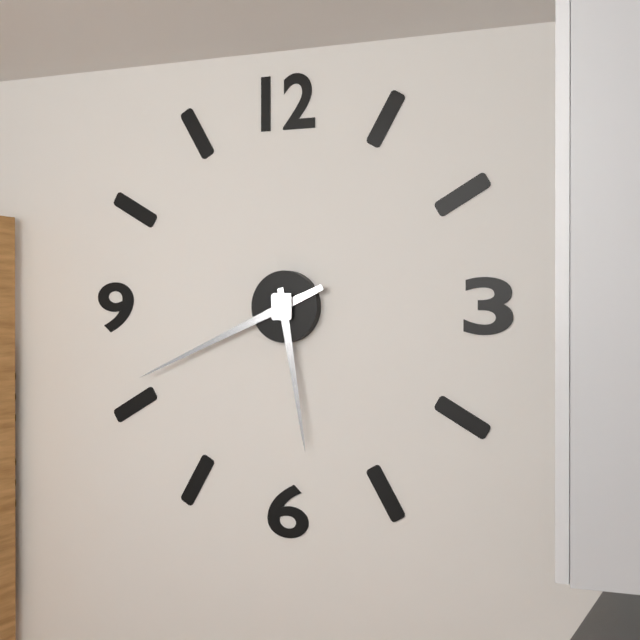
5.41
